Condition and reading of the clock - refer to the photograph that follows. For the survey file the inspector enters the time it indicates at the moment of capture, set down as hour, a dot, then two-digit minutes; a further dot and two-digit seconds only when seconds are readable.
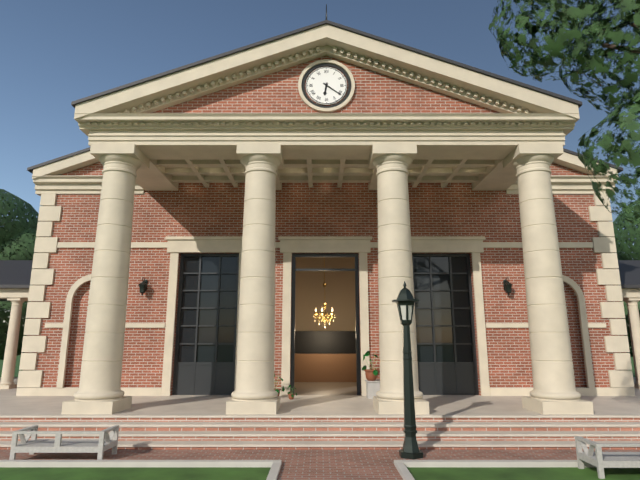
6.21
